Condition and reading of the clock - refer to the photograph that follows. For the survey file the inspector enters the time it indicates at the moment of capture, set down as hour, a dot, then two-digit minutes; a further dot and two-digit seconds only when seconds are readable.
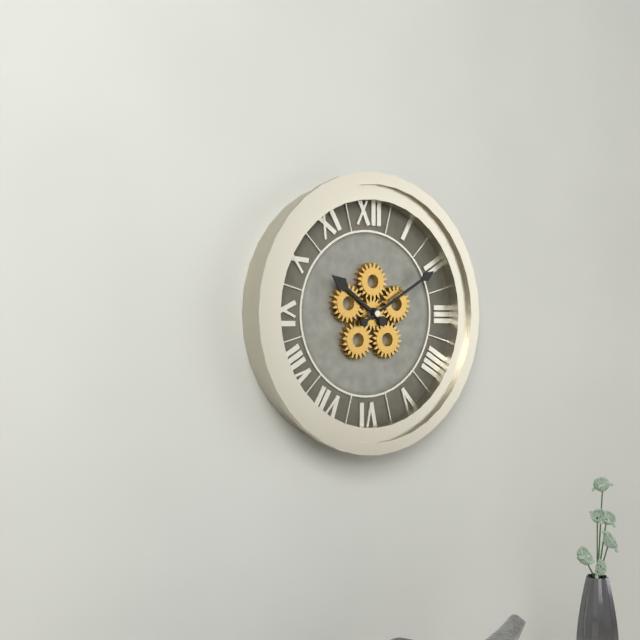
10.10
